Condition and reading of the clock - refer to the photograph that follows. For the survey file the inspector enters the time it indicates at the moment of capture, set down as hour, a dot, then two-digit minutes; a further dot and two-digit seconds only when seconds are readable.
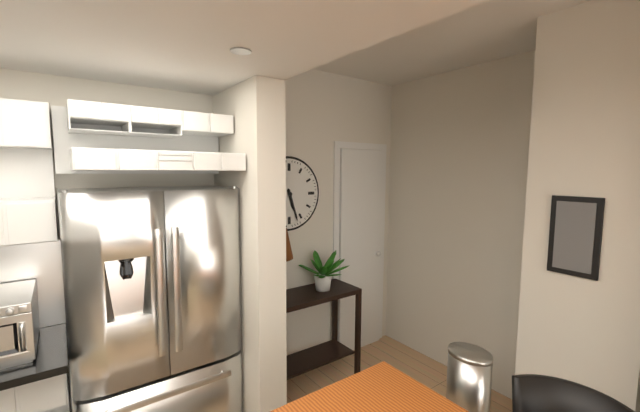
5.27
